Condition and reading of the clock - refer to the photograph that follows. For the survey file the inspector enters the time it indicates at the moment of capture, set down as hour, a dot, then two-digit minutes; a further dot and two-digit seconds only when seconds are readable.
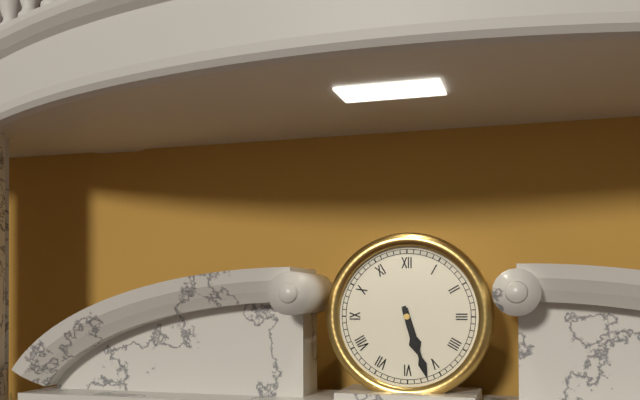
5.27
